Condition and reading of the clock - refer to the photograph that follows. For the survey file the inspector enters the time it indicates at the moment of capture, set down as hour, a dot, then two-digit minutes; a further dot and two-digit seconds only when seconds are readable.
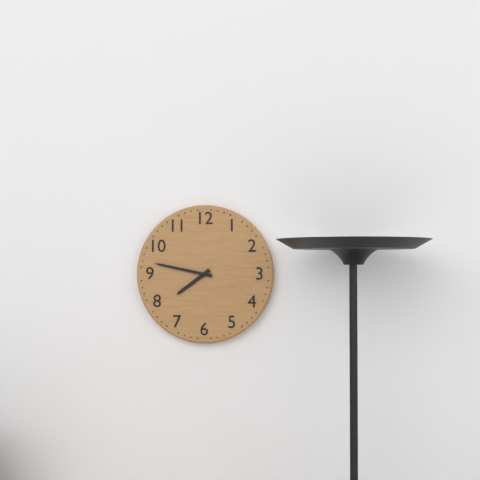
7.47
